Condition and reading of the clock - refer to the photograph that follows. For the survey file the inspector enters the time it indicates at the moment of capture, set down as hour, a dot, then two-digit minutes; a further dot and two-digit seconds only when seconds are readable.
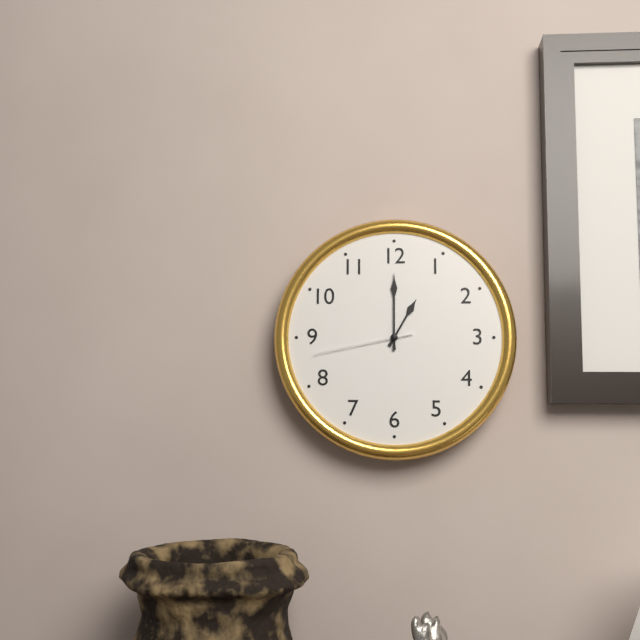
1.00.43
